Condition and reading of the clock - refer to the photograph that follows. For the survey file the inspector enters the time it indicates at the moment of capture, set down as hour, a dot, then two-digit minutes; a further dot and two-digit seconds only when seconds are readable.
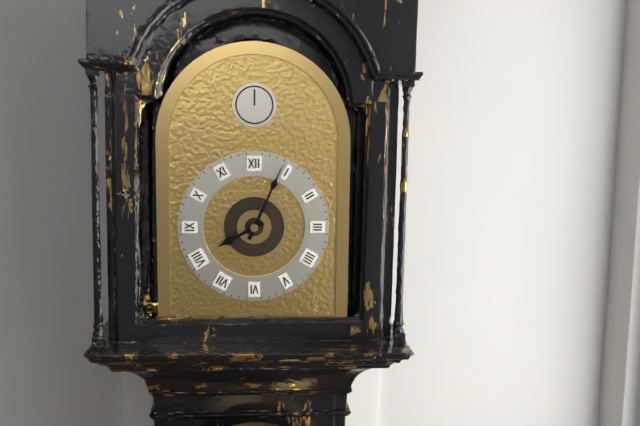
8.04
